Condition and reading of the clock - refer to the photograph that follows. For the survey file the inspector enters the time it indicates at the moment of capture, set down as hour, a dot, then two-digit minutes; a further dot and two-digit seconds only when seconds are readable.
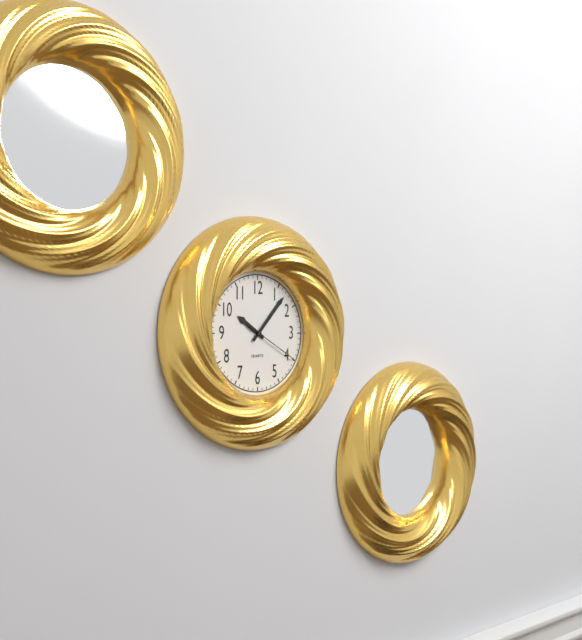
10.07.20
